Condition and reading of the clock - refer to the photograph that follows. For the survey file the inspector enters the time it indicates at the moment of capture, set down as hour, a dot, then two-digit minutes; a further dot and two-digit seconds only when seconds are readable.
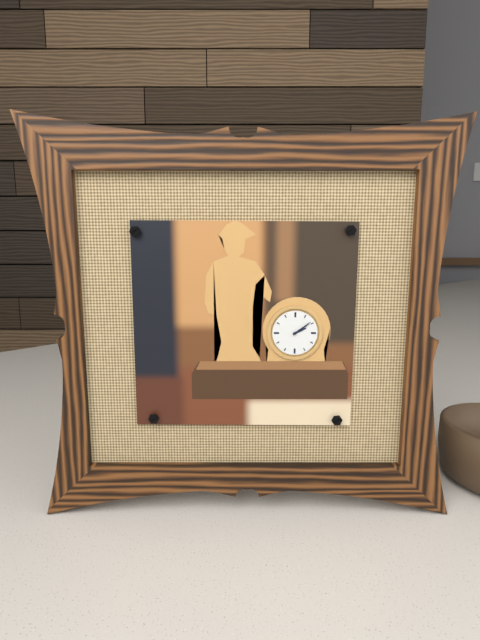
2.09
